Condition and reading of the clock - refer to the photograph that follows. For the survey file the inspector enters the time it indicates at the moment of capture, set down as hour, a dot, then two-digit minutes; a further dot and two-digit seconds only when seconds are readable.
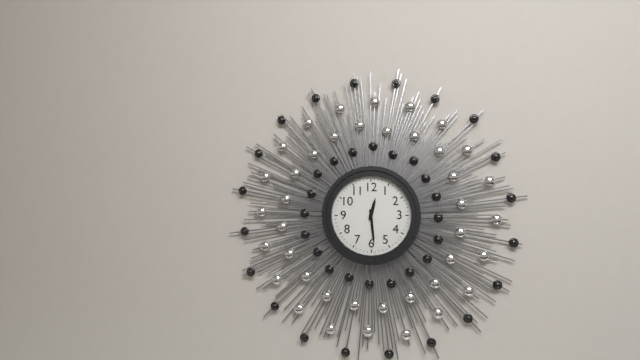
12.29
